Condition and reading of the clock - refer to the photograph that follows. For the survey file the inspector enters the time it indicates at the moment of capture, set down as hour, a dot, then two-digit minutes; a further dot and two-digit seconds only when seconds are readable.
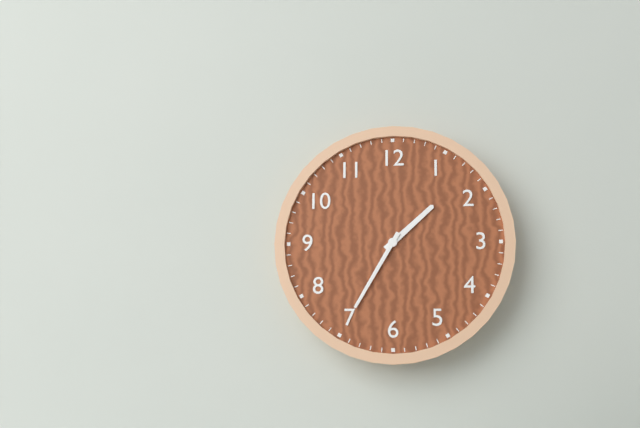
1.35
